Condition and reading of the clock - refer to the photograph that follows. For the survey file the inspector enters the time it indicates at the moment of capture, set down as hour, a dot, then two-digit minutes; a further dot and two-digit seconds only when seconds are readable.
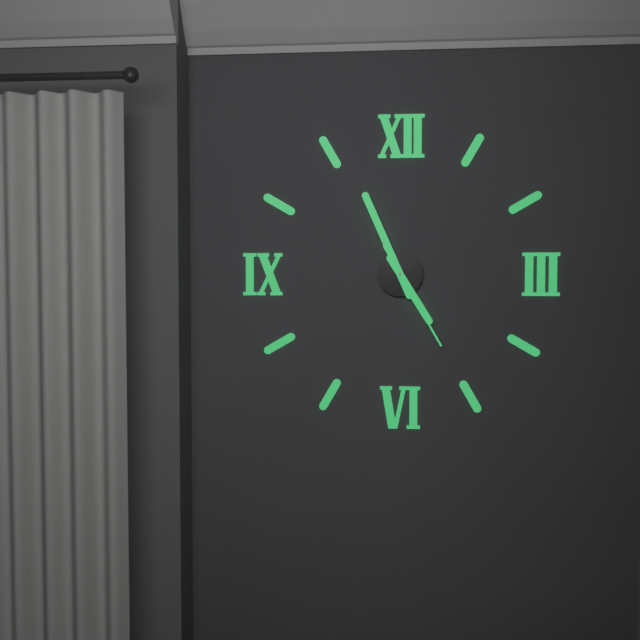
4.56.25
